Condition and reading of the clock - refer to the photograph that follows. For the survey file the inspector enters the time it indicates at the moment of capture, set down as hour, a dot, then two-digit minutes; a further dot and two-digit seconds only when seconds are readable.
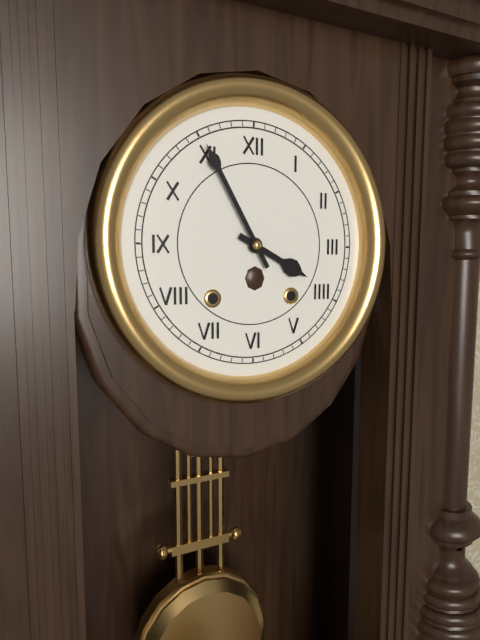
3.55
